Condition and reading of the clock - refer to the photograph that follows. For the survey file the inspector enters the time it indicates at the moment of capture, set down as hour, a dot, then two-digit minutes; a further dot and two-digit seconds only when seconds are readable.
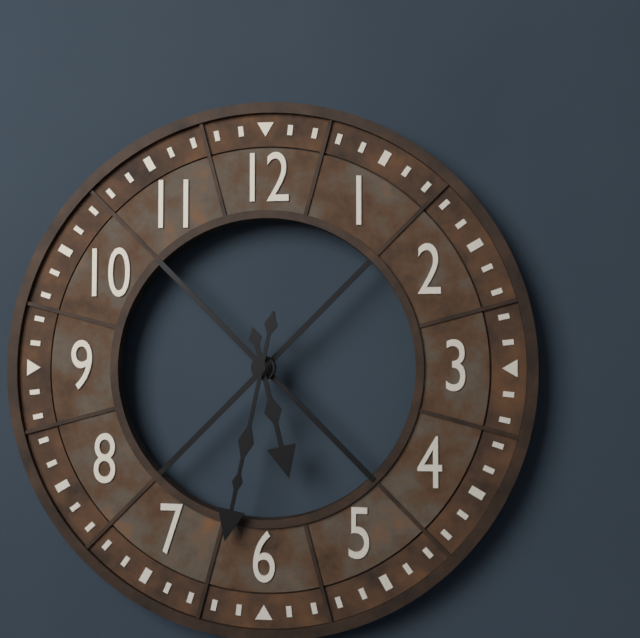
5.32
